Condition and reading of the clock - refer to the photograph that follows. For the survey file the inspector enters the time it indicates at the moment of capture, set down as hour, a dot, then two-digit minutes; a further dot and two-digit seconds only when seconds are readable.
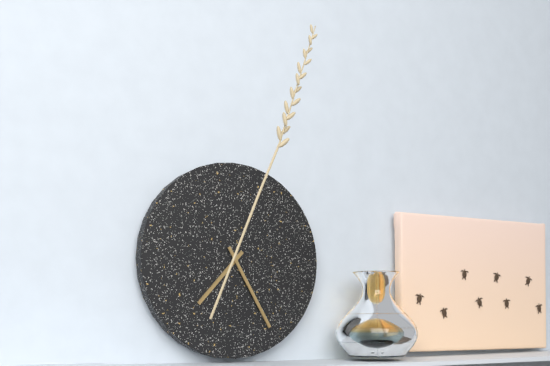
7.25
